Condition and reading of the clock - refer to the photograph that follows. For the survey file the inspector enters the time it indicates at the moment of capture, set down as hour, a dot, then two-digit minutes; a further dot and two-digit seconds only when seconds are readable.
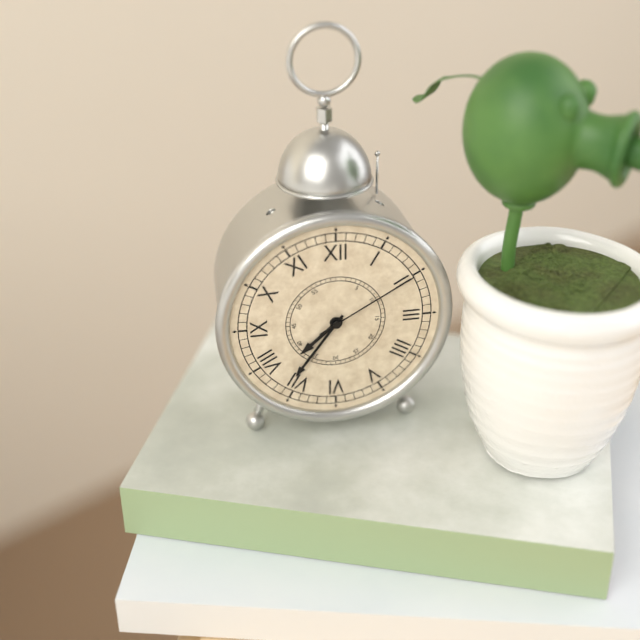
7.36.10
